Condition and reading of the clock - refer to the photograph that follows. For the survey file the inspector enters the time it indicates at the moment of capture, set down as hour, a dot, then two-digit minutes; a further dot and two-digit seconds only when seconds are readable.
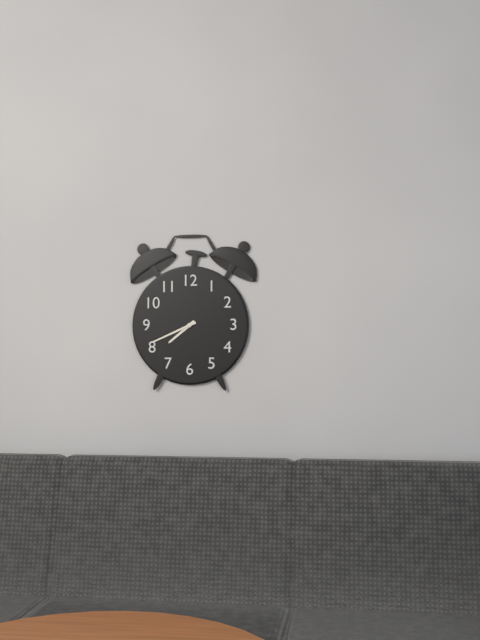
7.41
